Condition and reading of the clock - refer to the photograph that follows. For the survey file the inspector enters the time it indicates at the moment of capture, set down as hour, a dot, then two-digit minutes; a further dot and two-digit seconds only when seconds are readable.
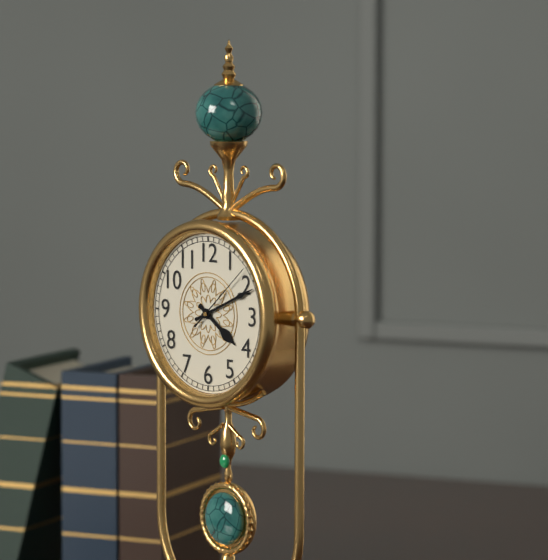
4.11.08
